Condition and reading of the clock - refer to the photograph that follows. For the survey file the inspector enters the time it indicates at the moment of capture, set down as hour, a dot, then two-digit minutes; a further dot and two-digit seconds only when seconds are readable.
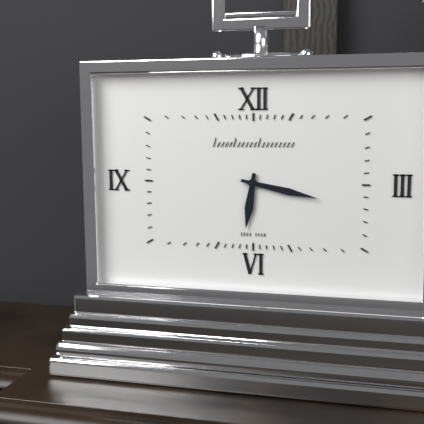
6.17
